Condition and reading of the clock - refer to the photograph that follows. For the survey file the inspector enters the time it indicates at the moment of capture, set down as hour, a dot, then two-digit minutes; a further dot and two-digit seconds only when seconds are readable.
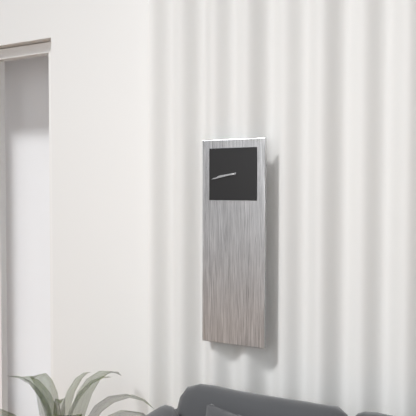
8.43
